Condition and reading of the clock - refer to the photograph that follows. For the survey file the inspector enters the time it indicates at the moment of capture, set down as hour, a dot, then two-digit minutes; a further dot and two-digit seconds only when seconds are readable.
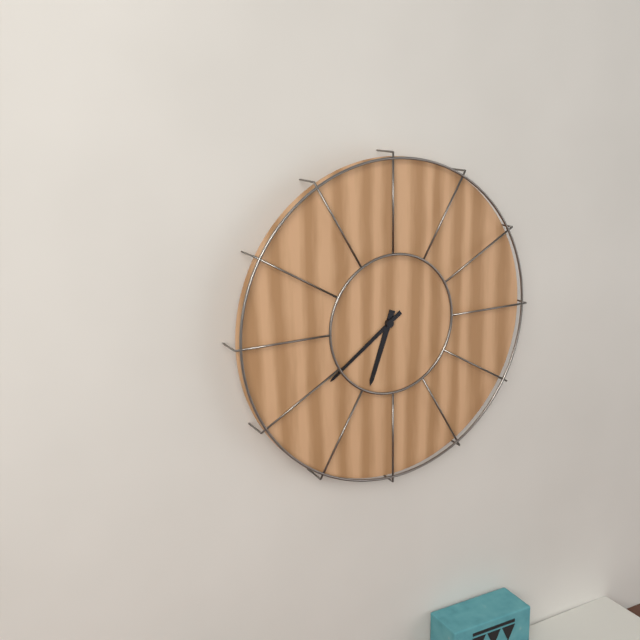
6.39
